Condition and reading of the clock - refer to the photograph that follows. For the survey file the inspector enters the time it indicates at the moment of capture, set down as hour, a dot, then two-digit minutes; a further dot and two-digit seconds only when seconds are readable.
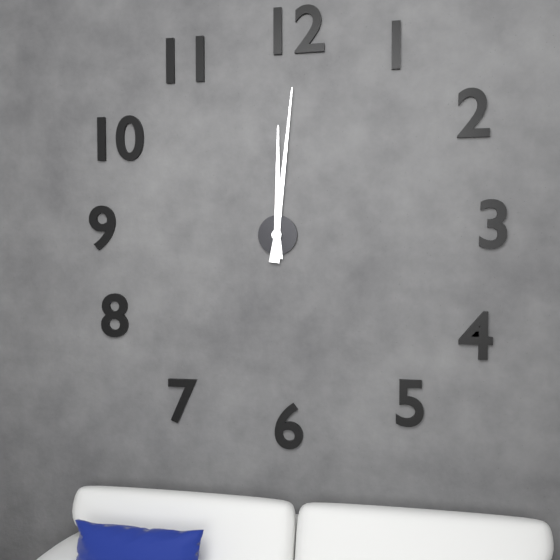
12.01
